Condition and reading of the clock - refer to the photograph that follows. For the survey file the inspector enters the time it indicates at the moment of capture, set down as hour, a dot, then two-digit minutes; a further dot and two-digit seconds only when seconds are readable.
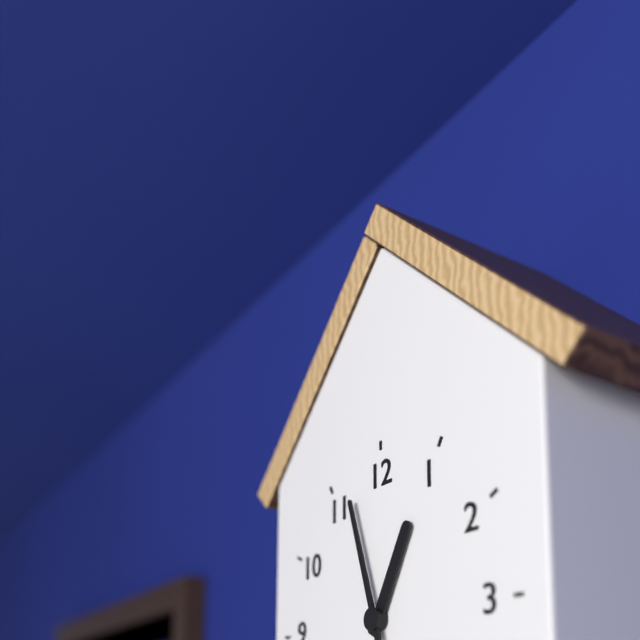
12.57
